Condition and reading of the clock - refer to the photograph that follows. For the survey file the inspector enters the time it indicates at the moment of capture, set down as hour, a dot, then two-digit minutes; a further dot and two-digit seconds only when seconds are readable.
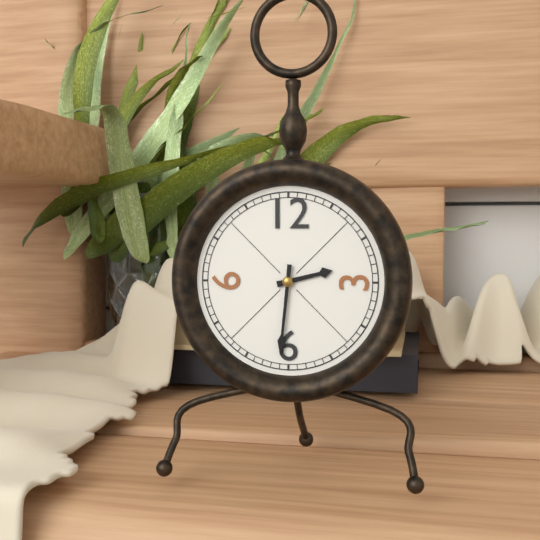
2.31
